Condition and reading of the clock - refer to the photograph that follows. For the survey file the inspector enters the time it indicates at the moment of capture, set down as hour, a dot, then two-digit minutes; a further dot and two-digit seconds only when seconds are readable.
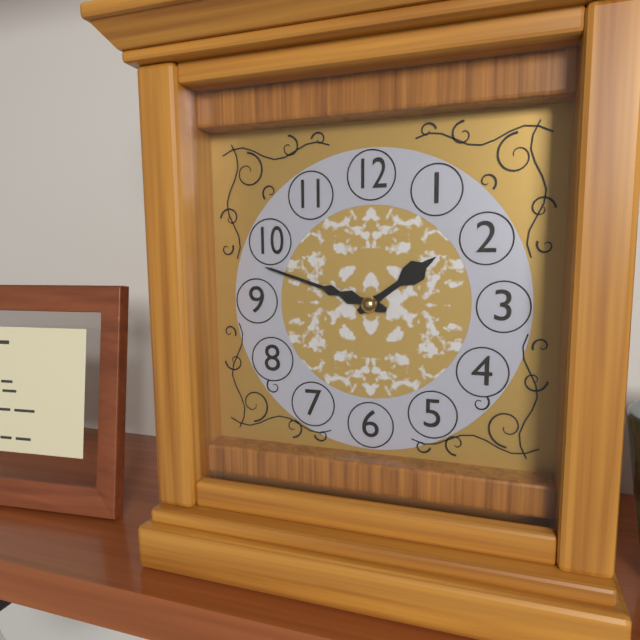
1.48
